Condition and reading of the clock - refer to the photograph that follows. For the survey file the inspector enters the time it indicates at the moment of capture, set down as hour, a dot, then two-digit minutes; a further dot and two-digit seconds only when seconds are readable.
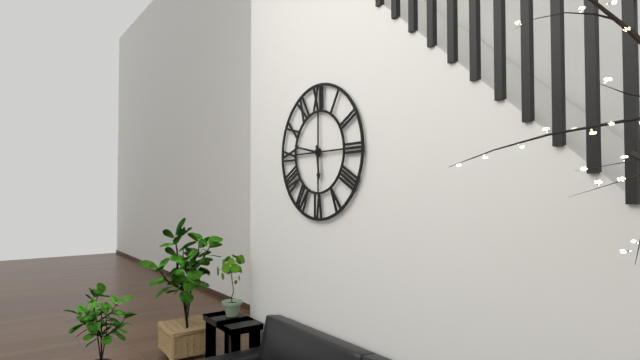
5.47
